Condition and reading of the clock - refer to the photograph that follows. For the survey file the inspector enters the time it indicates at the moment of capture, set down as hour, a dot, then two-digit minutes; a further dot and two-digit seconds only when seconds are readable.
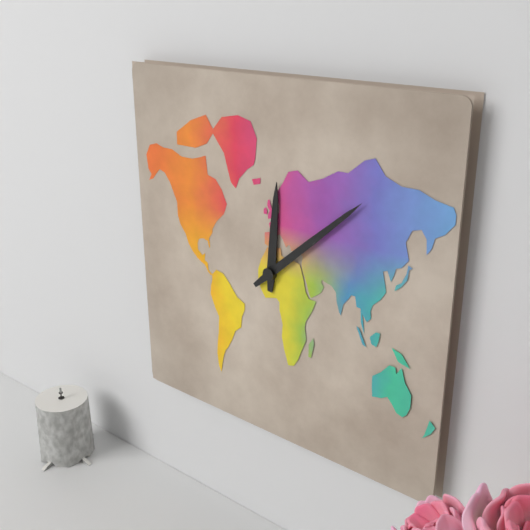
12.08
